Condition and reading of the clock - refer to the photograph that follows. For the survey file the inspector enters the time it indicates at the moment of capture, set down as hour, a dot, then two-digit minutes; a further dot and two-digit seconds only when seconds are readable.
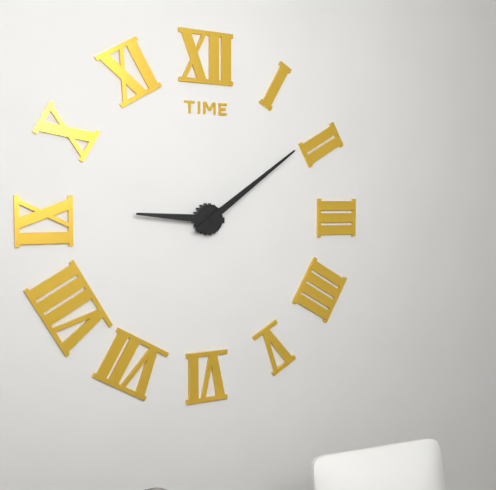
9.09
